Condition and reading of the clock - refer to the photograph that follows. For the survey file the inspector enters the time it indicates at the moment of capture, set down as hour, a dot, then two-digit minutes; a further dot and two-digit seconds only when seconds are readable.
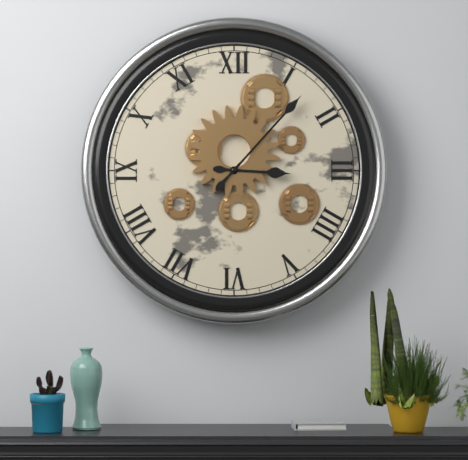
3.07
